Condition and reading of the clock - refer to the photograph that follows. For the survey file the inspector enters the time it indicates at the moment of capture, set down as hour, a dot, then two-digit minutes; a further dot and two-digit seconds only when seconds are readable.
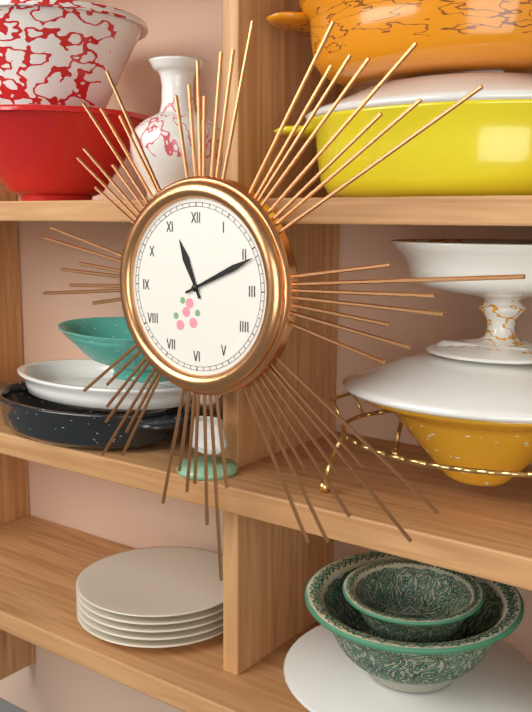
11.11
